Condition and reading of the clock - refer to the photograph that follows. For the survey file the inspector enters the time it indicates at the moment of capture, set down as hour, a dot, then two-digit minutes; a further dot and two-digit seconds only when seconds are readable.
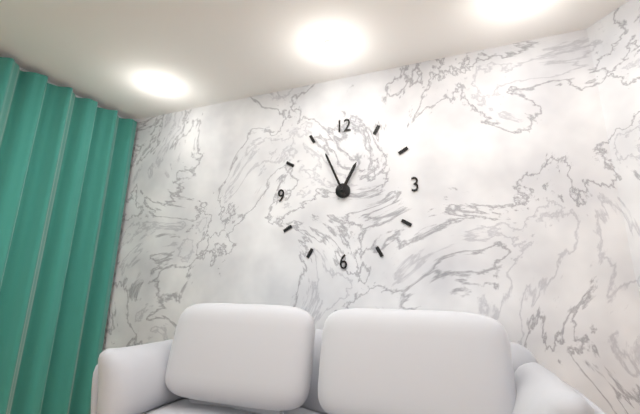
12.56
